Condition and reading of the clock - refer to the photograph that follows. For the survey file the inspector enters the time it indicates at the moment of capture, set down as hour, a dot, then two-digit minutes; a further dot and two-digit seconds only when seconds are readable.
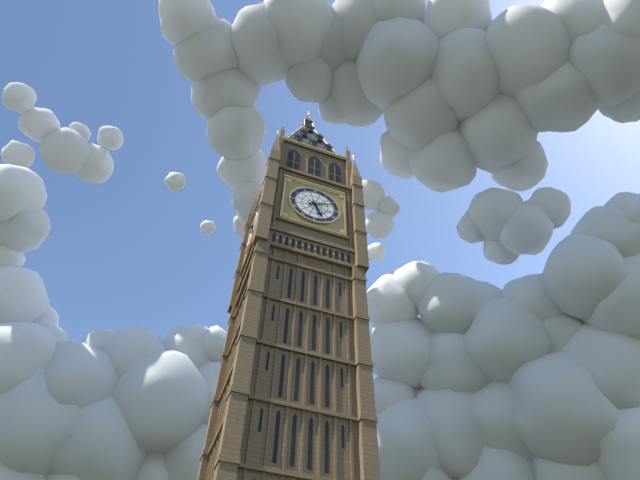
5.11
